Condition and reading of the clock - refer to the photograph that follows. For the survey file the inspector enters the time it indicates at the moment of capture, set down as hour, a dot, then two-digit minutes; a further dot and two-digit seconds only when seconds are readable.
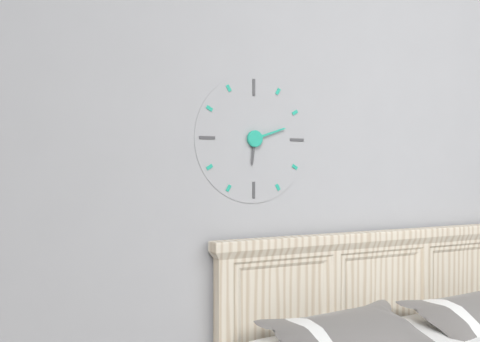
6.12
